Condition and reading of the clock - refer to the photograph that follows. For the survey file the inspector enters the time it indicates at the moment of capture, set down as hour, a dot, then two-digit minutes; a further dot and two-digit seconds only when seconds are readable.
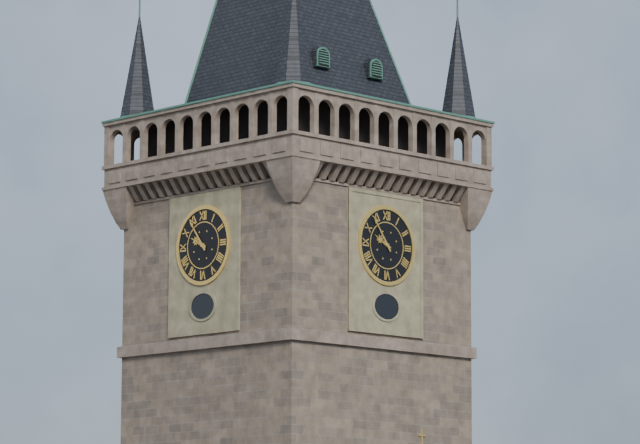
9.54
